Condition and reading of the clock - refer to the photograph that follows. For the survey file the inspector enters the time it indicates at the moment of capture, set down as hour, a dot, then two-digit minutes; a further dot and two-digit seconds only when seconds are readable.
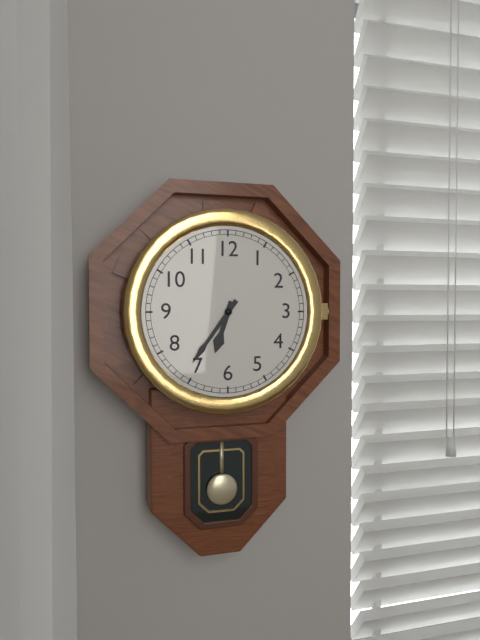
6.36
